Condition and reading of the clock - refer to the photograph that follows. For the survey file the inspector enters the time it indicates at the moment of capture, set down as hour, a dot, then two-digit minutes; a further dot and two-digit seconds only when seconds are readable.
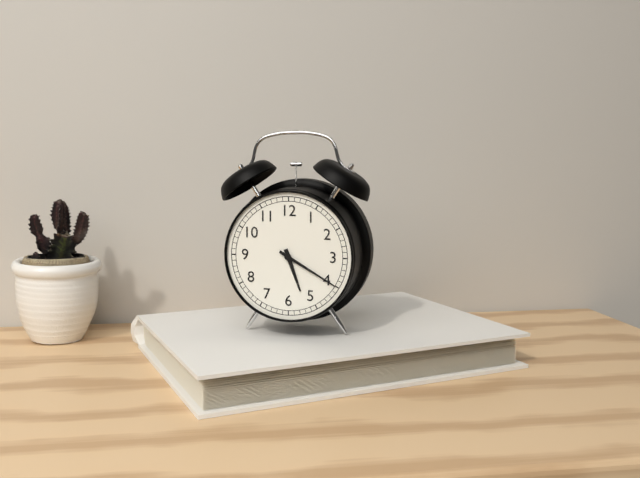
5.20
